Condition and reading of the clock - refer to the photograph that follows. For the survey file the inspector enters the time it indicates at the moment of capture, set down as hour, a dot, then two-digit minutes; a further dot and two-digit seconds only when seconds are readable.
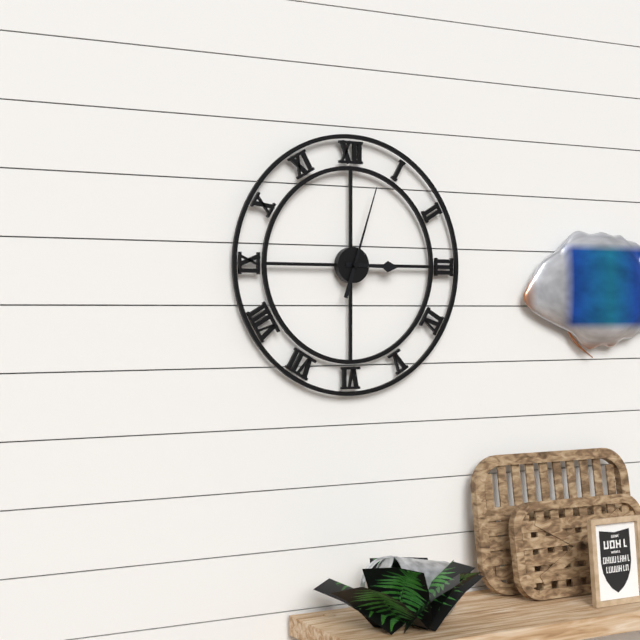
3.03
